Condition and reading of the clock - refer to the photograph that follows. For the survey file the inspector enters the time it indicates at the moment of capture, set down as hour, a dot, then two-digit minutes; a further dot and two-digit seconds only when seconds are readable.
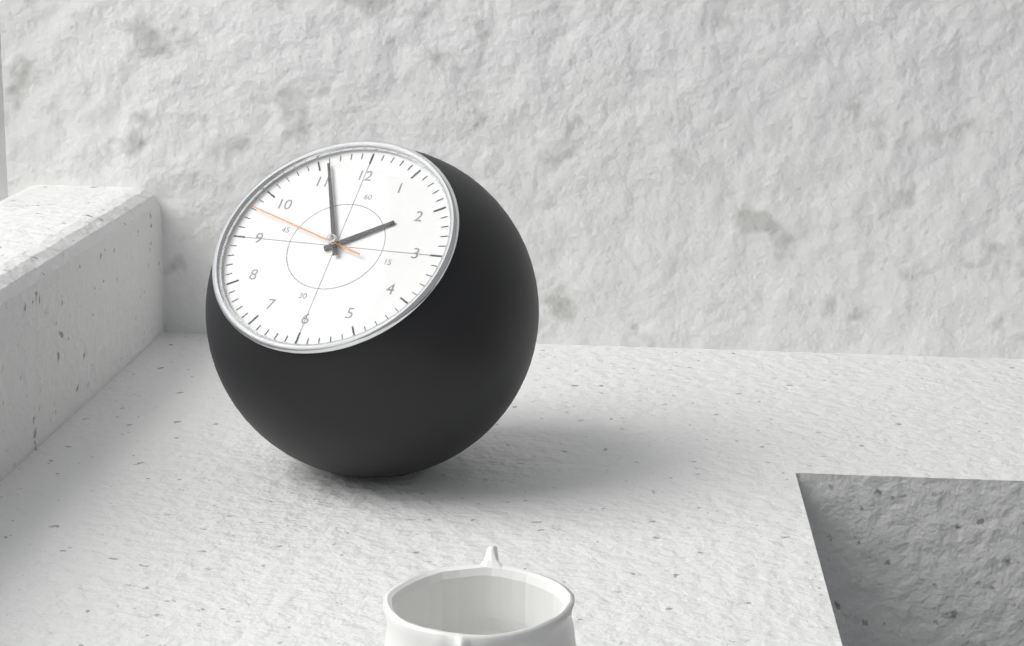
1.56.48
